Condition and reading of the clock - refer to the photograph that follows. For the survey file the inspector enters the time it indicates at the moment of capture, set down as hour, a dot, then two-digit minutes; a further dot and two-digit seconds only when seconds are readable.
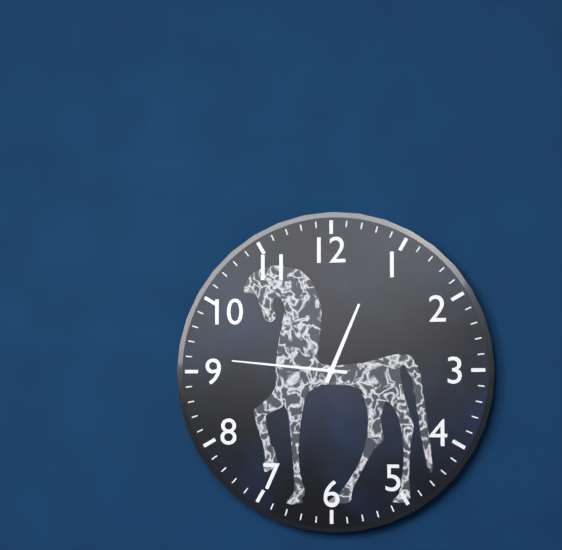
12.46
